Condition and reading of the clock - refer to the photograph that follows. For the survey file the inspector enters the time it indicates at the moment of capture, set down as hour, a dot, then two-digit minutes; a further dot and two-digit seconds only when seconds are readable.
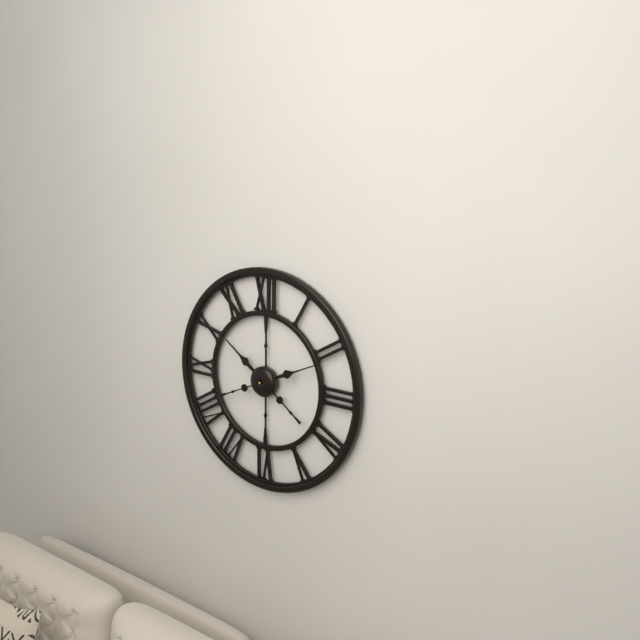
10.11
